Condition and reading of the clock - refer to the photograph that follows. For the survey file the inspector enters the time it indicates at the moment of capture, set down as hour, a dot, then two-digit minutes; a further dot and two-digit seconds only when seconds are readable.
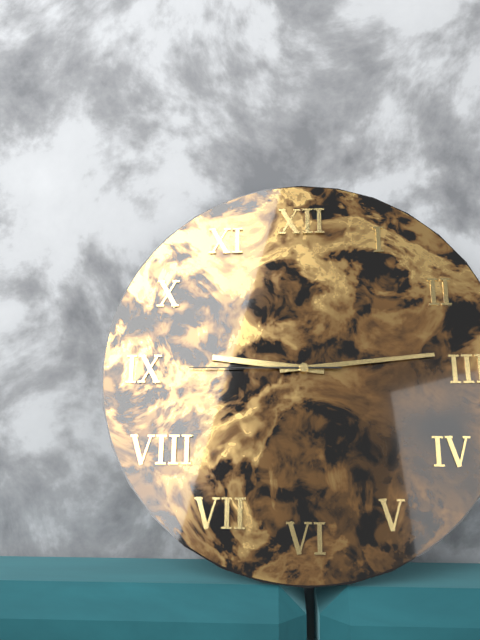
9.14.45
